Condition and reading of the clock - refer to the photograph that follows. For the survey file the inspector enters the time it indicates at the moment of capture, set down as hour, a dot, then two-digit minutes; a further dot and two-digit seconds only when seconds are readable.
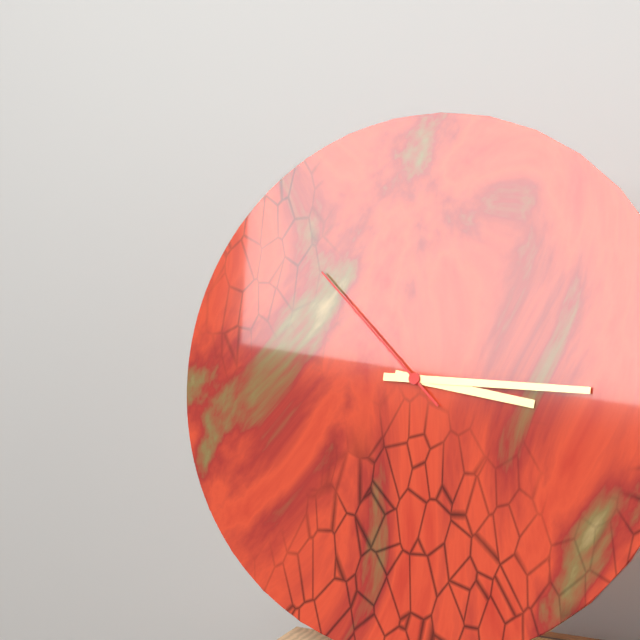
3.15.52
